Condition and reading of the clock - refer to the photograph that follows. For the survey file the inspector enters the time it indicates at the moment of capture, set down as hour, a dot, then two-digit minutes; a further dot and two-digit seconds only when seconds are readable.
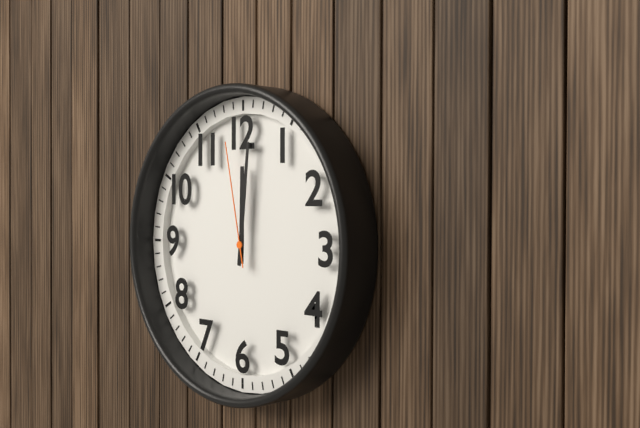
12.01.58
